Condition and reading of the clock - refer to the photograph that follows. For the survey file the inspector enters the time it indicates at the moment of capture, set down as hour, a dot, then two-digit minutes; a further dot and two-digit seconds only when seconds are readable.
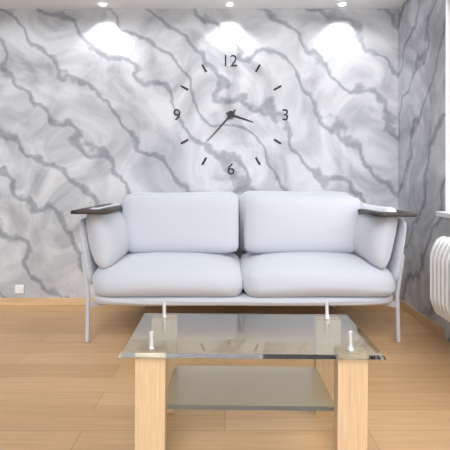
3.37
